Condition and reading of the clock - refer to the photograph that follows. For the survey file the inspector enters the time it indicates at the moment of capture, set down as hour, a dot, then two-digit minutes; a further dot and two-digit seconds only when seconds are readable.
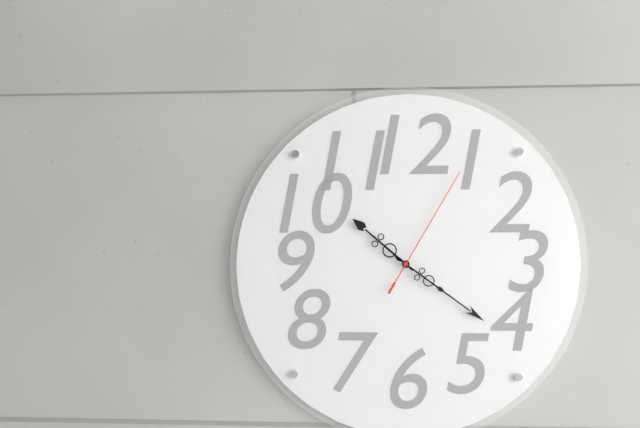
10.21.05
